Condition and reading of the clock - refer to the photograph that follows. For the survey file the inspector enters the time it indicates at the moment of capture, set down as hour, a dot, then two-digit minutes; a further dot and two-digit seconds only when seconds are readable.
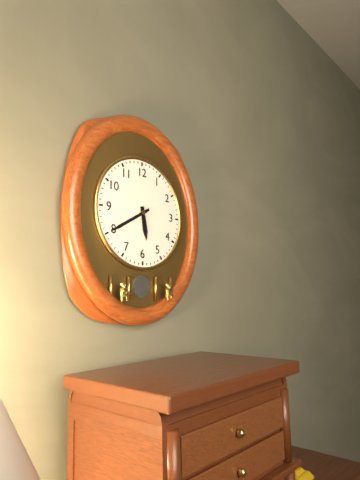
5.40
